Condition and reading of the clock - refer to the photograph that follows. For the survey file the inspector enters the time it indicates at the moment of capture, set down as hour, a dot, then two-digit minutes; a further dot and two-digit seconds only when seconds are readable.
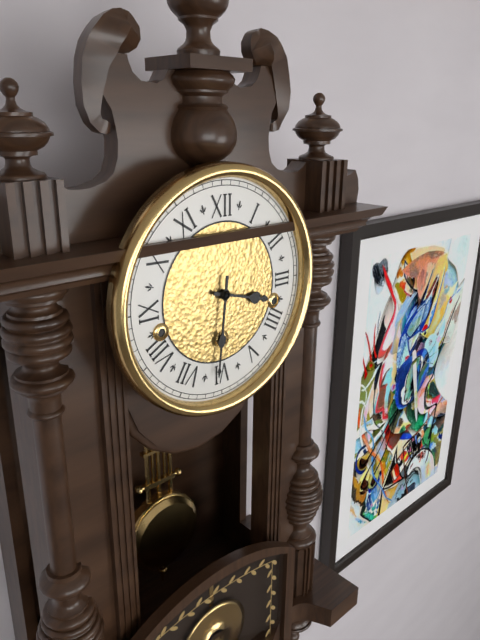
3.31
